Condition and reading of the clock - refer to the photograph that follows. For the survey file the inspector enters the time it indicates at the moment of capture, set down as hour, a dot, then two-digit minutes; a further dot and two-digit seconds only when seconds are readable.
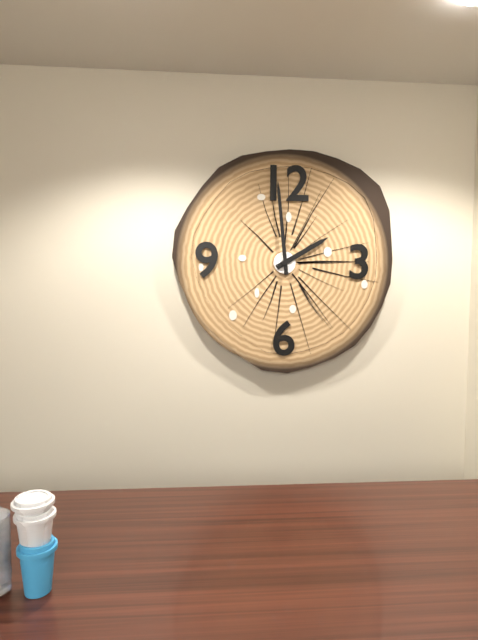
1.59
